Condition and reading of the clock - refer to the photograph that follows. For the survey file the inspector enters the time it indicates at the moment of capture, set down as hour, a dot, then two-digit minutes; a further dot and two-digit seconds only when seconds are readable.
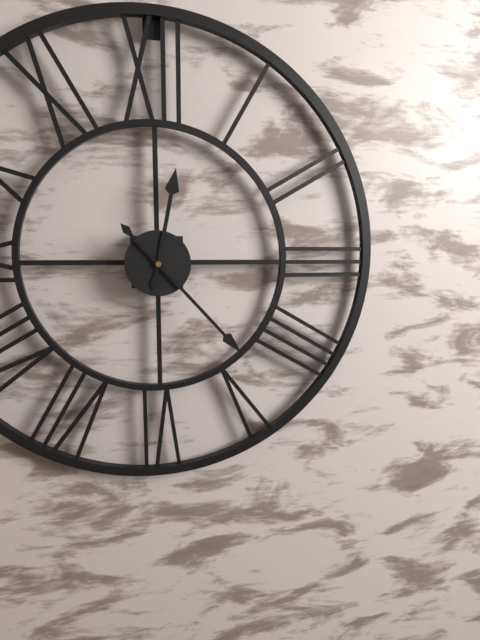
12.23
